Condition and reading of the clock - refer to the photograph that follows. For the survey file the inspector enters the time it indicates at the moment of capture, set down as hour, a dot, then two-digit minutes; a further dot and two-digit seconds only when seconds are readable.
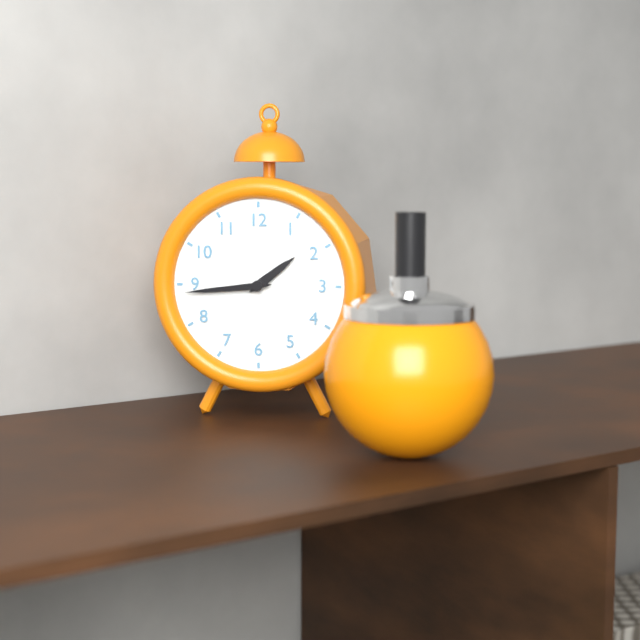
1.44
